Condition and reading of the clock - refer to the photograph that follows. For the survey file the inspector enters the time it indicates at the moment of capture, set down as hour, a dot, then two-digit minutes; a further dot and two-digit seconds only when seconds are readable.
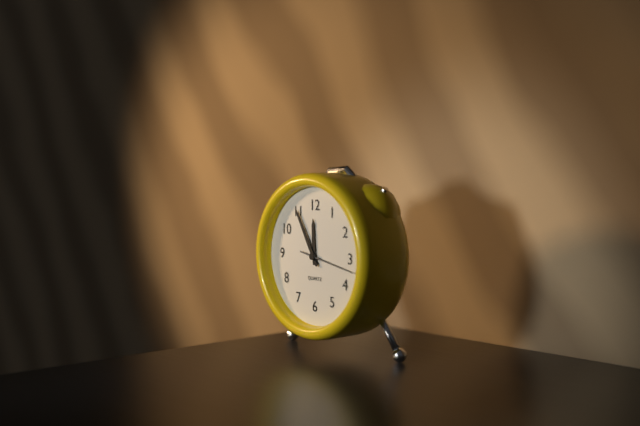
11.55
